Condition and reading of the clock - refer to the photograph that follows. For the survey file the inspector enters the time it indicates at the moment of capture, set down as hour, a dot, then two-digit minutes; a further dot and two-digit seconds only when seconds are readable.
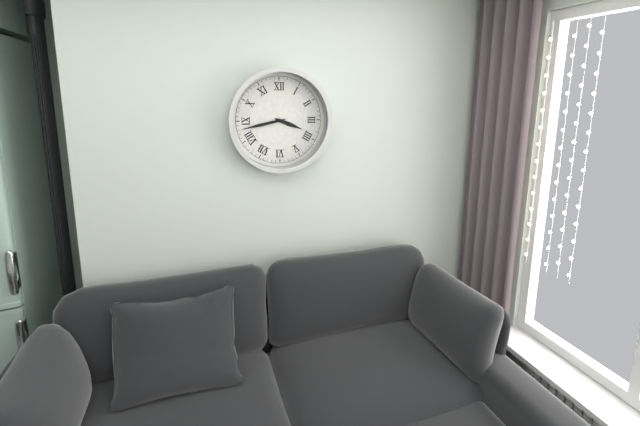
3.43
